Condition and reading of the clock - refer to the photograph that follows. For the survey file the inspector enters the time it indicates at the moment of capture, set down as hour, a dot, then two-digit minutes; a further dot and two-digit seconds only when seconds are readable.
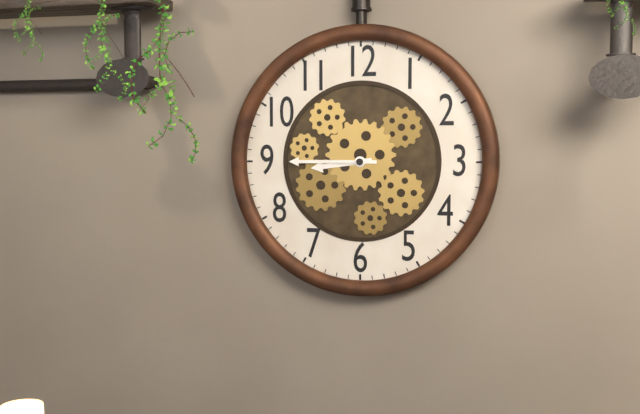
8.45
